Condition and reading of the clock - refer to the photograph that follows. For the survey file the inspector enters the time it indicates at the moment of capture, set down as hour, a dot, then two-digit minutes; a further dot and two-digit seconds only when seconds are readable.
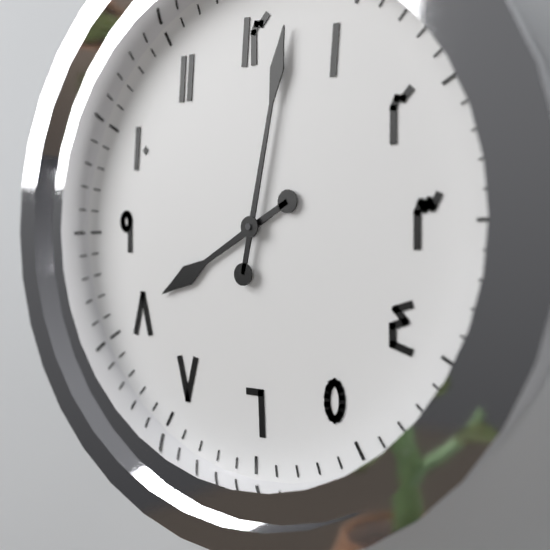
8.02
